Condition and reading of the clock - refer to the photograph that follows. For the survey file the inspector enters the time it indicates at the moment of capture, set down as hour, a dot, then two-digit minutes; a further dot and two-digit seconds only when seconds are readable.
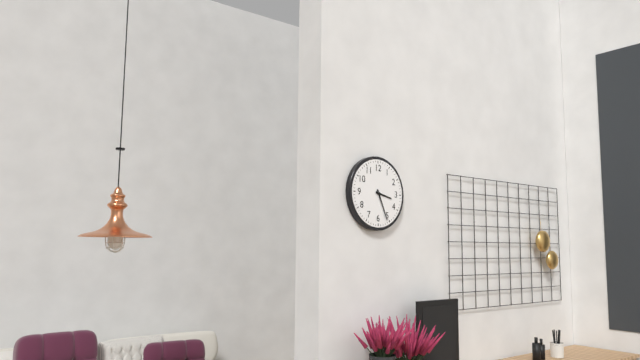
3.26
